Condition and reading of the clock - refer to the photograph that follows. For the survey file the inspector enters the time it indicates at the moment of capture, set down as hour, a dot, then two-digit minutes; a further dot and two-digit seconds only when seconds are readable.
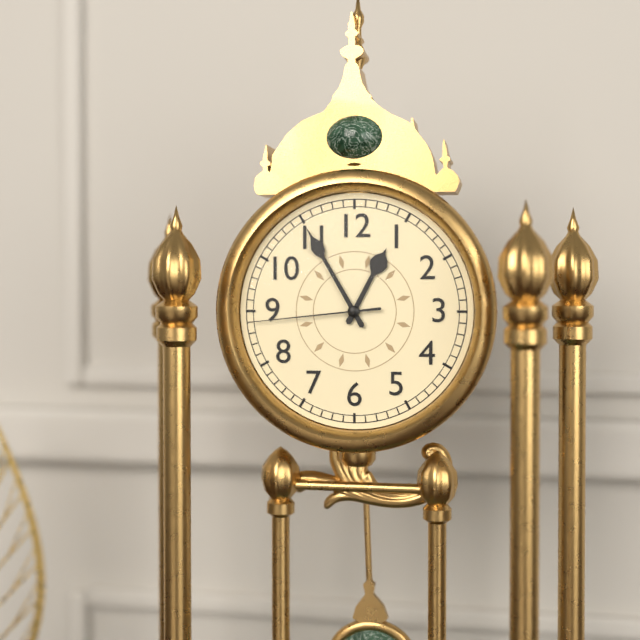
12.55.44
